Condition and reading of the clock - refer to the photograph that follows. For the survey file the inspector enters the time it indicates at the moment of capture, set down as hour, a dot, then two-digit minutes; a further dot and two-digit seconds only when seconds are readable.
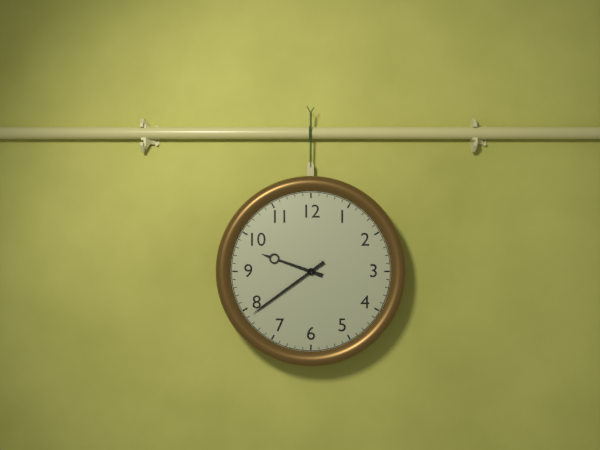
9.39
